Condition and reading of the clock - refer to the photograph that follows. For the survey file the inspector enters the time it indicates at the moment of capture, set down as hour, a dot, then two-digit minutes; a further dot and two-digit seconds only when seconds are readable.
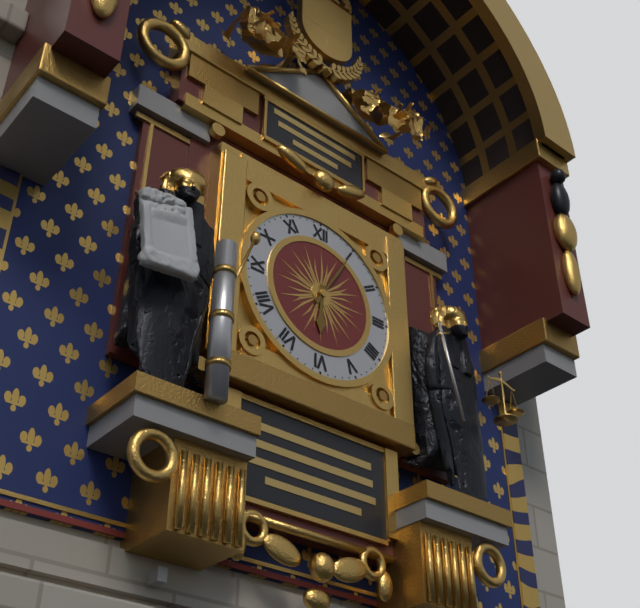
6.05
